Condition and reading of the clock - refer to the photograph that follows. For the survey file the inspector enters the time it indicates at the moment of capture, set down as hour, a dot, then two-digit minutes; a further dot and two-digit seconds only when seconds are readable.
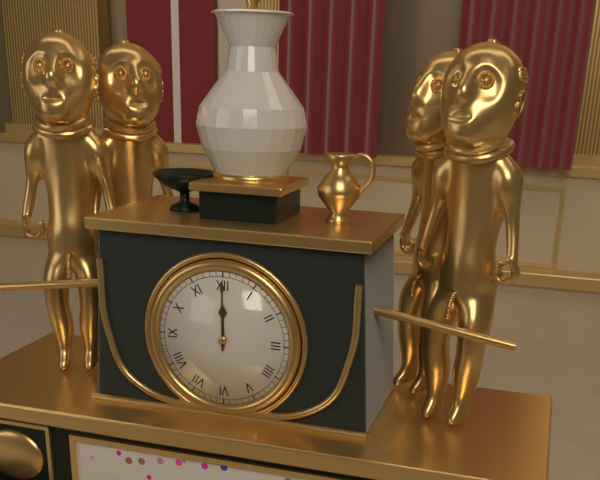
12.00
